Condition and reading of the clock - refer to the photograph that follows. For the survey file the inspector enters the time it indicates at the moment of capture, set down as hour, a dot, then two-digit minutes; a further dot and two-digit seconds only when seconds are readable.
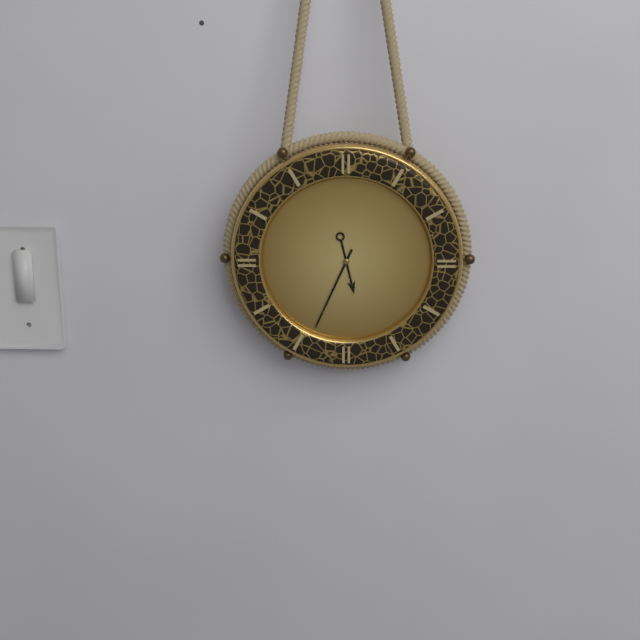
5.34
